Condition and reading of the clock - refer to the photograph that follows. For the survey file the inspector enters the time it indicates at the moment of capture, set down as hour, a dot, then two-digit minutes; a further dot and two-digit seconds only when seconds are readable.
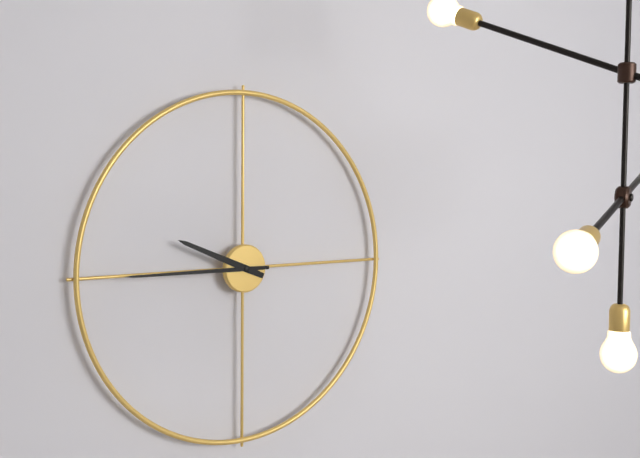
9.45
